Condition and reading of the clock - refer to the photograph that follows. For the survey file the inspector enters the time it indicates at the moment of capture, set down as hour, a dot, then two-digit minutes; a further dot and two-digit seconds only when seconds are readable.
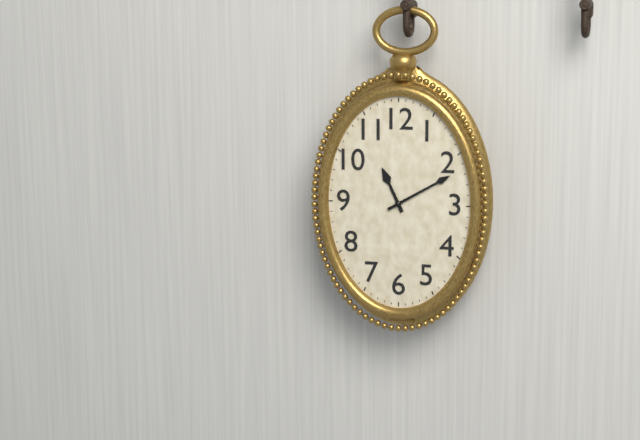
11.10
